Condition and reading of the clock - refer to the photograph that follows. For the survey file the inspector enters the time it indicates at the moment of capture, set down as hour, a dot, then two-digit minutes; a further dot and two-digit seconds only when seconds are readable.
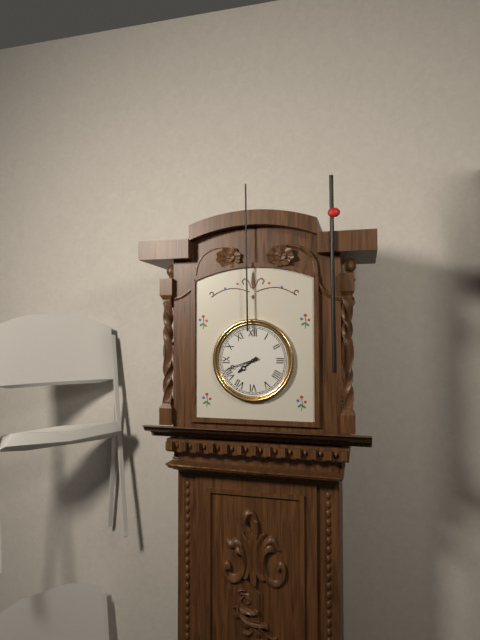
7.42
